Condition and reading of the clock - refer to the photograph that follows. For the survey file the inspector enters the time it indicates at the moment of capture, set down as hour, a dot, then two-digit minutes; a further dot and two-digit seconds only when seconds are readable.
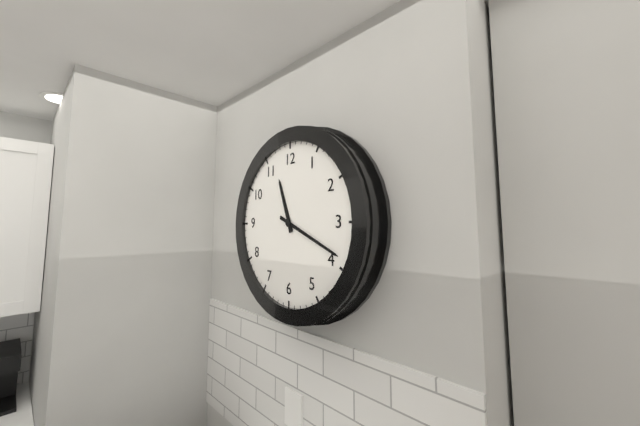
11.19
